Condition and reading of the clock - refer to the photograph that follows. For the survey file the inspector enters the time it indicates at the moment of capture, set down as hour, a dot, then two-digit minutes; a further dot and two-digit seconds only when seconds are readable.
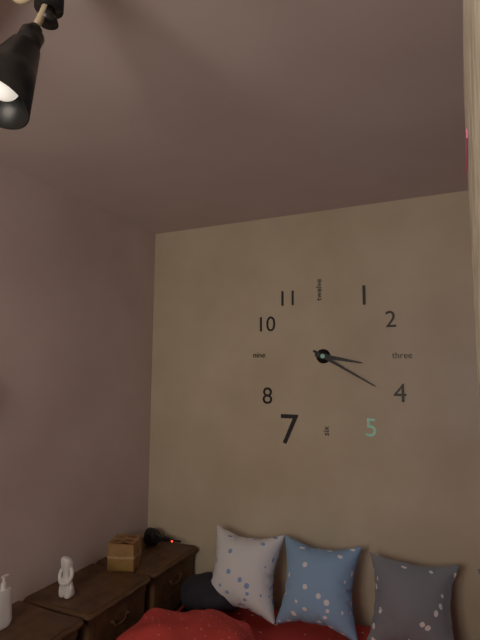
3.20
